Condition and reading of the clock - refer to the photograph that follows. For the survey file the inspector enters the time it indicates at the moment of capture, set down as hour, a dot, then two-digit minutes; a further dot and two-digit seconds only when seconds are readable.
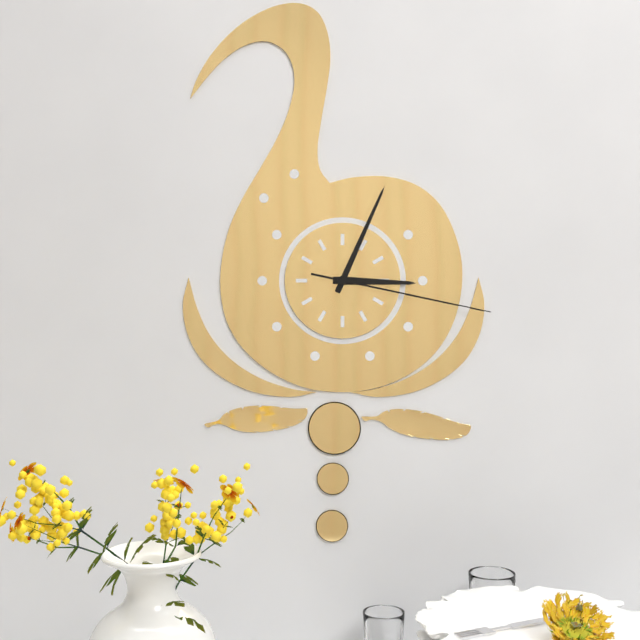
3.04.17
